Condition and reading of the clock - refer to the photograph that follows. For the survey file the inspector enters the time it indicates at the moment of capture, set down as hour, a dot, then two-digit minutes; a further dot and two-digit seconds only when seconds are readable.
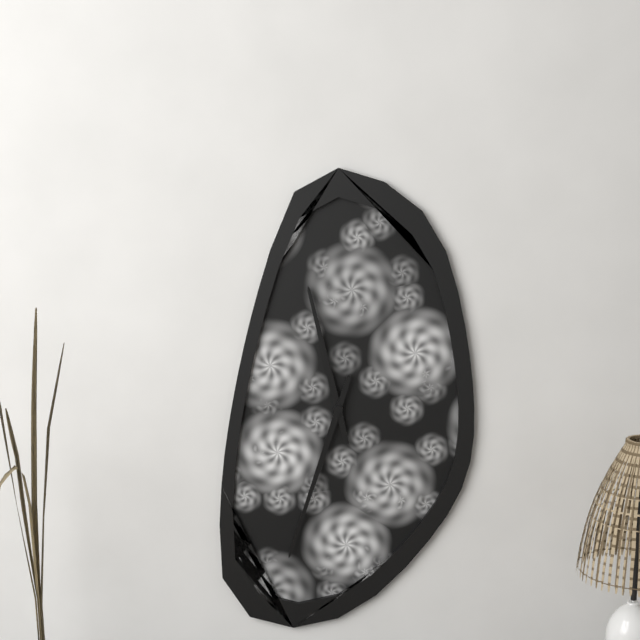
11.33
